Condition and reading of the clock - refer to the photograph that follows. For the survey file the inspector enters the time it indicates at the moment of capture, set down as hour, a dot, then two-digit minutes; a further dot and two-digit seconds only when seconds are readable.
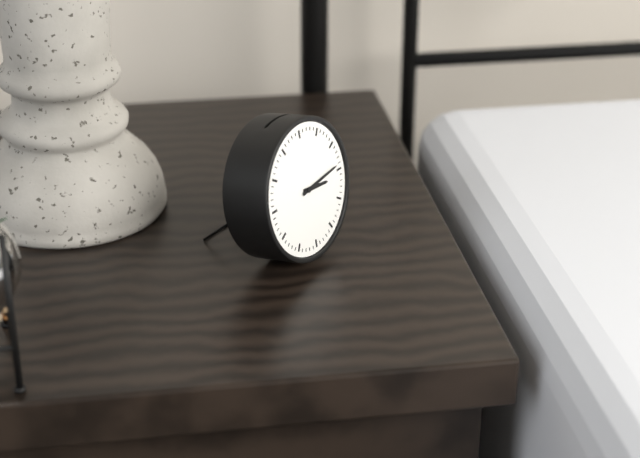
3.14
